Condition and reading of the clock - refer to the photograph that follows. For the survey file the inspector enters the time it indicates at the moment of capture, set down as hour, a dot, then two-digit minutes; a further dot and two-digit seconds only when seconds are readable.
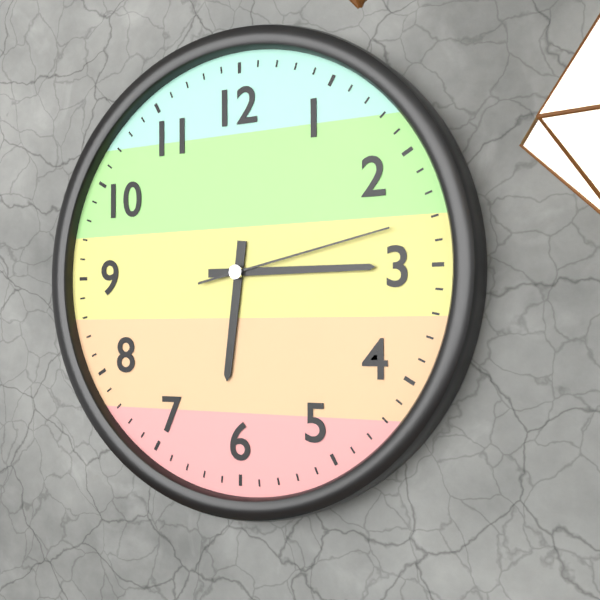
6.15.13
